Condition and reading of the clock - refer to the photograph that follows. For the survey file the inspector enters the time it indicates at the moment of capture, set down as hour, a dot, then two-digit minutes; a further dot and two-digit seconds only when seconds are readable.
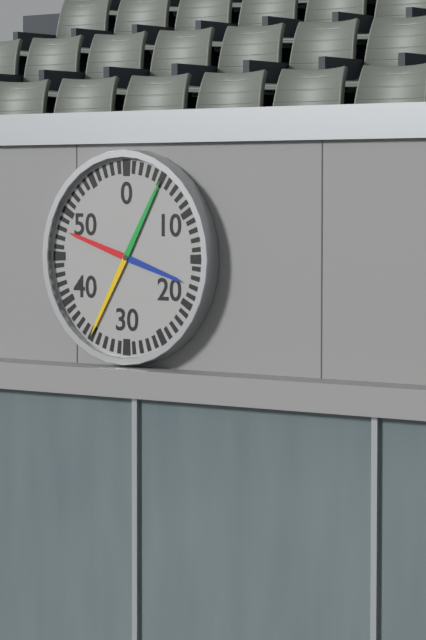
9.35
